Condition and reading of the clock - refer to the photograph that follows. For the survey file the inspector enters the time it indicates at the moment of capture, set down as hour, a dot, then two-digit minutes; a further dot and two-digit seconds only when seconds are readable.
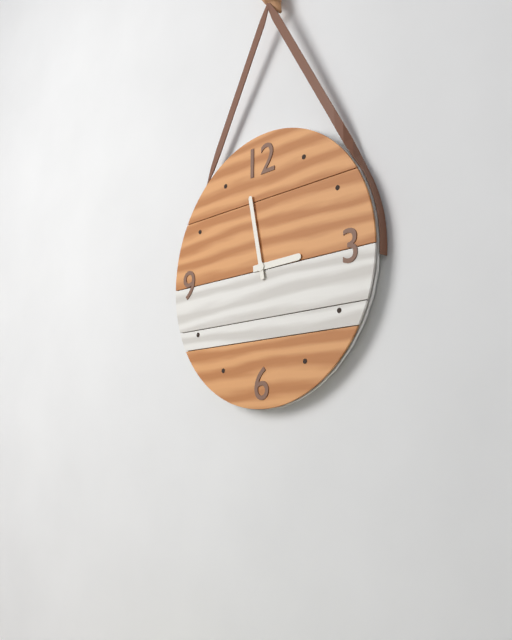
2.58
